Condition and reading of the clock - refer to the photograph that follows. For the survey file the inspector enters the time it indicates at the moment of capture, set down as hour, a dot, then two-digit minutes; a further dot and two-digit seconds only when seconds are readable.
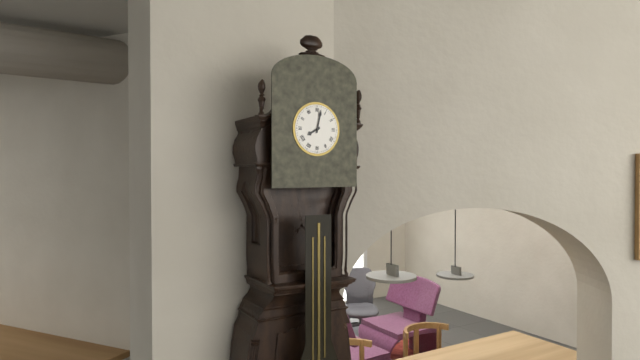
8.02
